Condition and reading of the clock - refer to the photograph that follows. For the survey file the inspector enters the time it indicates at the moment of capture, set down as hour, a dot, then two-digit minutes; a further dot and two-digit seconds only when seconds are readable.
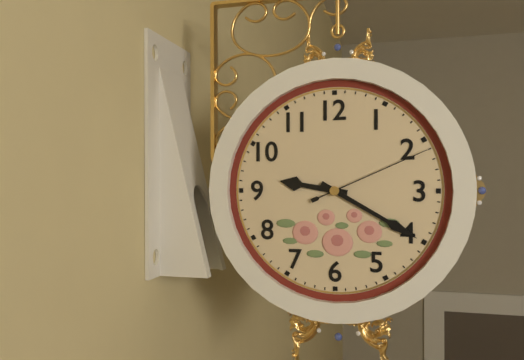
9.20.11
